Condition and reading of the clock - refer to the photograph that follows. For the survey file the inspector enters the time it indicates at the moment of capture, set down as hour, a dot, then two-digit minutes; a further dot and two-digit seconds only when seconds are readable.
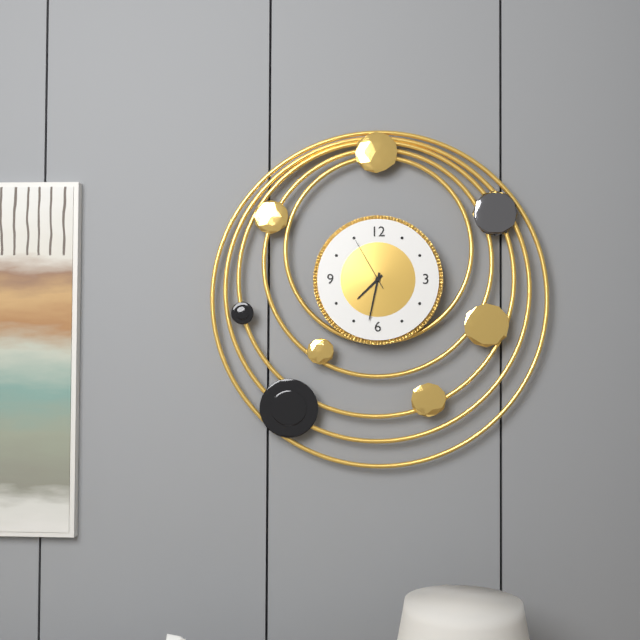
7.32.55
